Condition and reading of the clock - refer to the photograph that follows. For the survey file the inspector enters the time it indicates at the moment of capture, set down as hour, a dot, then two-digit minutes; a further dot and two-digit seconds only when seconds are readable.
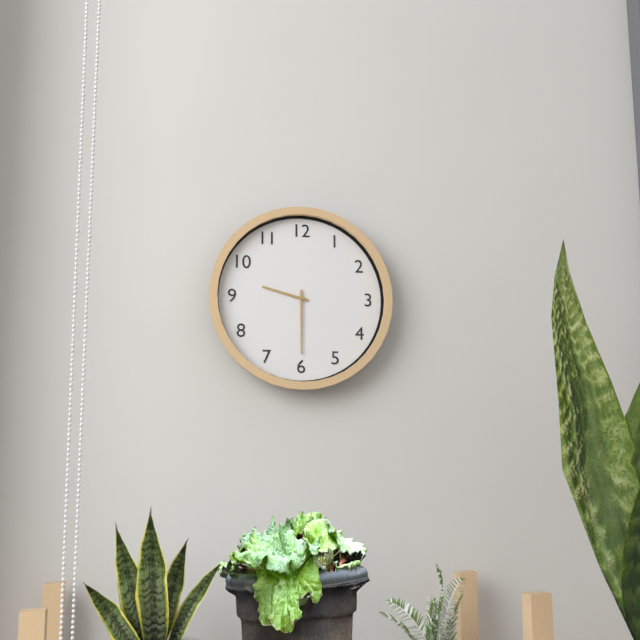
9.30
